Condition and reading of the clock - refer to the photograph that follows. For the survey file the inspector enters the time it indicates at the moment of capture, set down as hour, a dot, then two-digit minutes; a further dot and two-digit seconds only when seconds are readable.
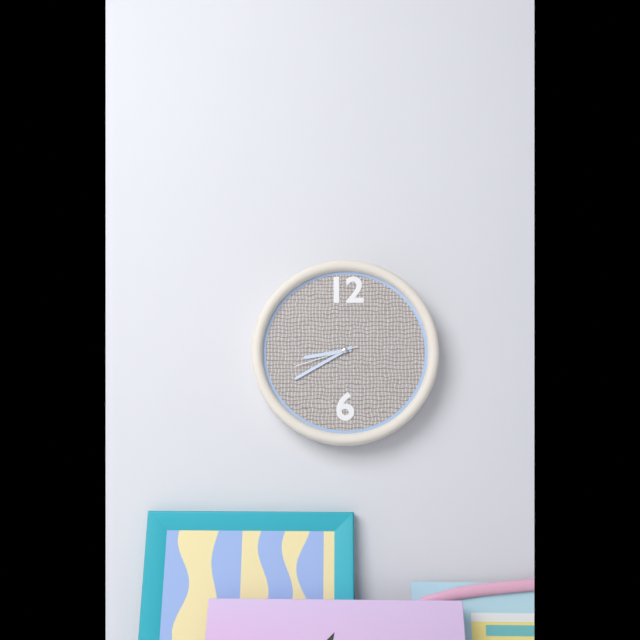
8.40.42
